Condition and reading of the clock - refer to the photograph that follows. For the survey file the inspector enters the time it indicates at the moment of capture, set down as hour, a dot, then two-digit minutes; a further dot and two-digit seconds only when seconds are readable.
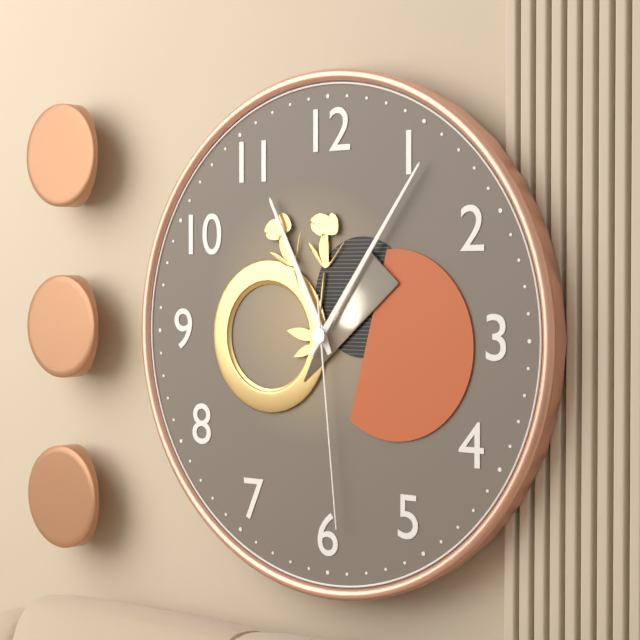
11.06.29
